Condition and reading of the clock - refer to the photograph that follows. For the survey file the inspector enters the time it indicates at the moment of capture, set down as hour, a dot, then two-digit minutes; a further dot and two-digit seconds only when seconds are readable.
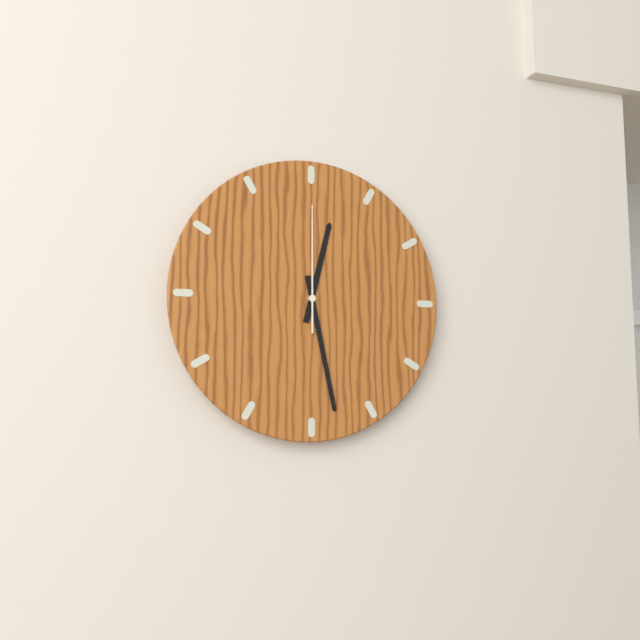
12.28.00
